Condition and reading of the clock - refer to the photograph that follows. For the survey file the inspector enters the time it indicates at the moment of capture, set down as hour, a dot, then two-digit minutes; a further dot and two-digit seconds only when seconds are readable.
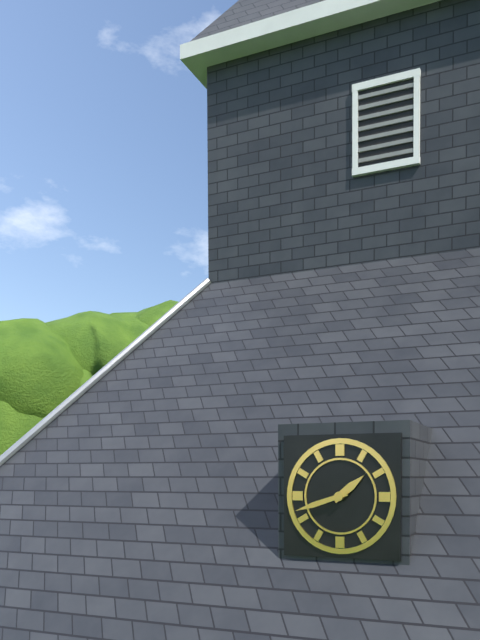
1.42
